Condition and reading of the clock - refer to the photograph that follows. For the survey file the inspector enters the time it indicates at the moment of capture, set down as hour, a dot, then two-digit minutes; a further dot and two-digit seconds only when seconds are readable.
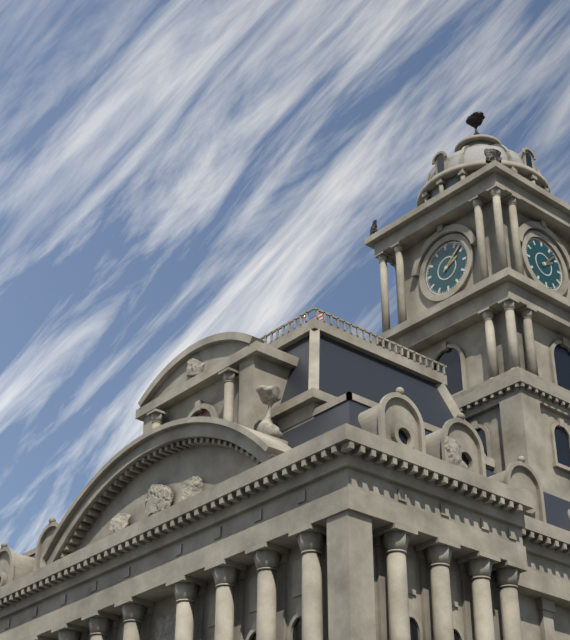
2.08
